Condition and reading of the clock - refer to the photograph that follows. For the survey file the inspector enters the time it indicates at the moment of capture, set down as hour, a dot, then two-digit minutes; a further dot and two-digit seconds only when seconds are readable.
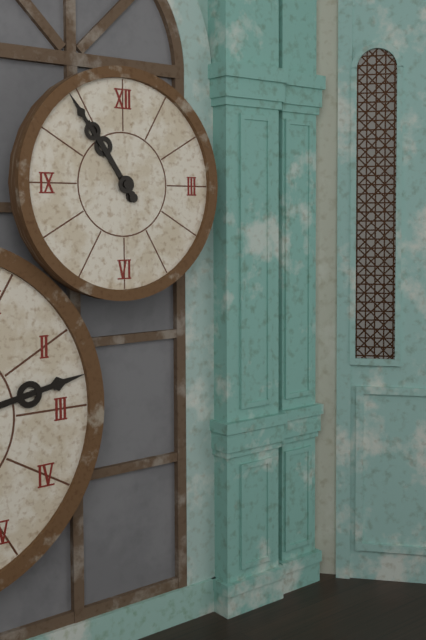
10.54
